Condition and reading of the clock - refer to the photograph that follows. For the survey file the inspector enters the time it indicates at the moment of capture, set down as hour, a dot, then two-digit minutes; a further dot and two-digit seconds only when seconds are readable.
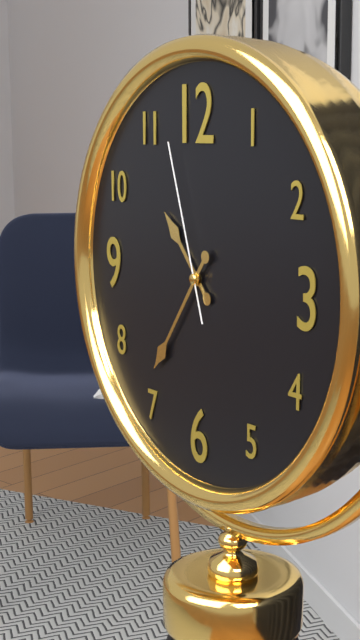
10.36.57
